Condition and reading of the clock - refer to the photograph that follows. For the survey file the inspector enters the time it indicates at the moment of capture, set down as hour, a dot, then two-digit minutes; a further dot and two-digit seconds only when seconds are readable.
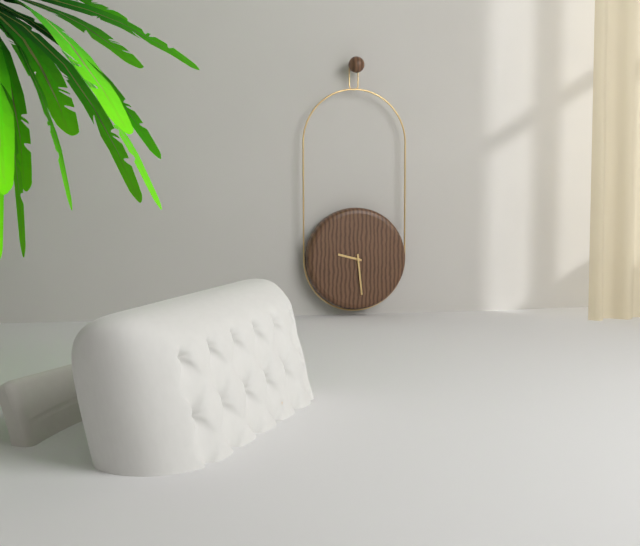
9.29
